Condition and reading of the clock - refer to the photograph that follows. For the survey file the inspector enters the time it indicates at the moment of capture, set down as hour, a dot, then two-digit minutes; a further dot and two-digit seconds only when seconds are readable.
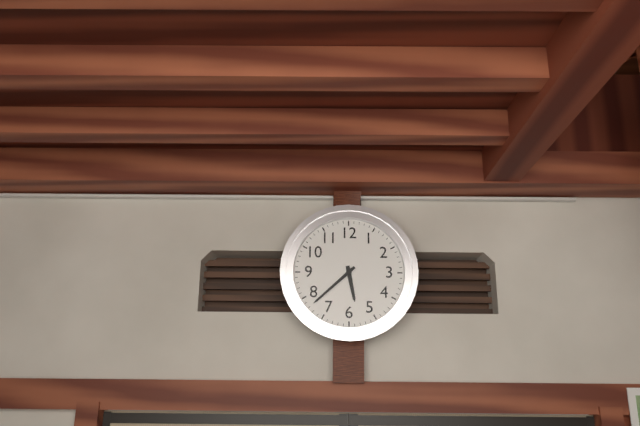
5.38
